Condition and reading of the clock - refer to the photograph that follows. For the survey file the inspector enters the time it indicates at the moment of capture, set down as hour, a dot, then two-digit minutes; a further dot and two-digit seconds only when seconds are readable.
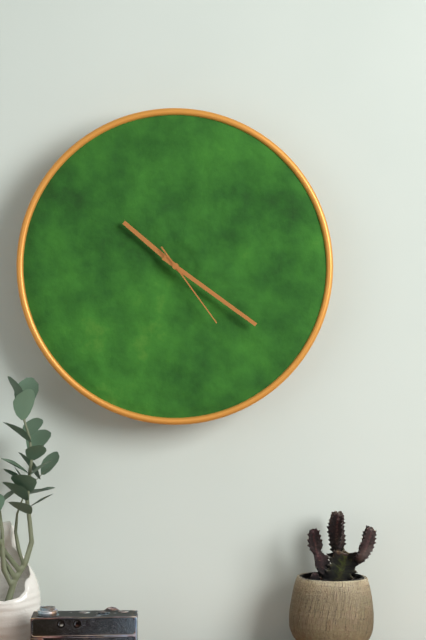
10.21.24
